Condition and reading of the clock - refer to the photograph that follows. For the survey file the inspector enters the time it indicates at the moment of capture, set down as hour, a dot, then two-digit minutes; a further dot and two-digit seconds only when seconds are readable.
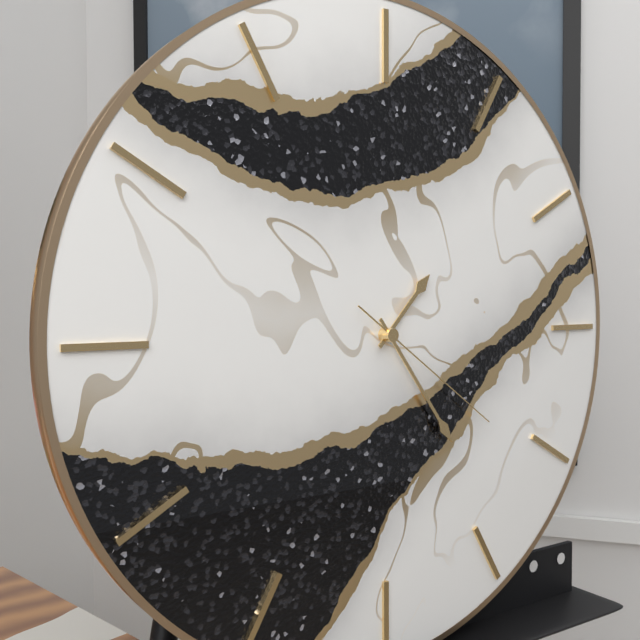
1.24.21
